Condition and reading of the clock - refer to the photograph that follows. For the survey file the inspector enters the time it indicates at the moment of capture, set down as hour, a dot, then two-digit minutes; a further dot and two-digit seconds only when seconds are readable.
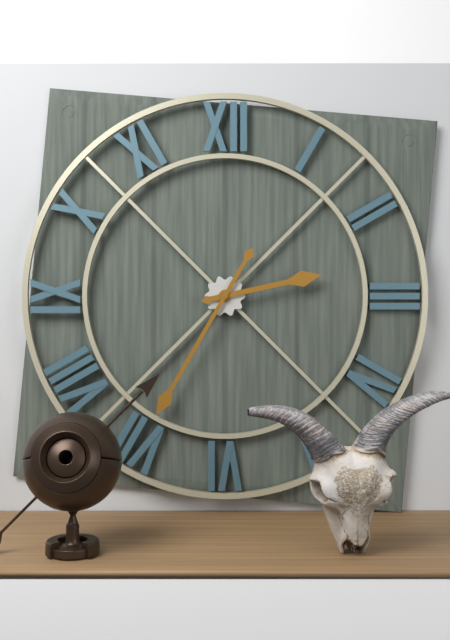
2.35
